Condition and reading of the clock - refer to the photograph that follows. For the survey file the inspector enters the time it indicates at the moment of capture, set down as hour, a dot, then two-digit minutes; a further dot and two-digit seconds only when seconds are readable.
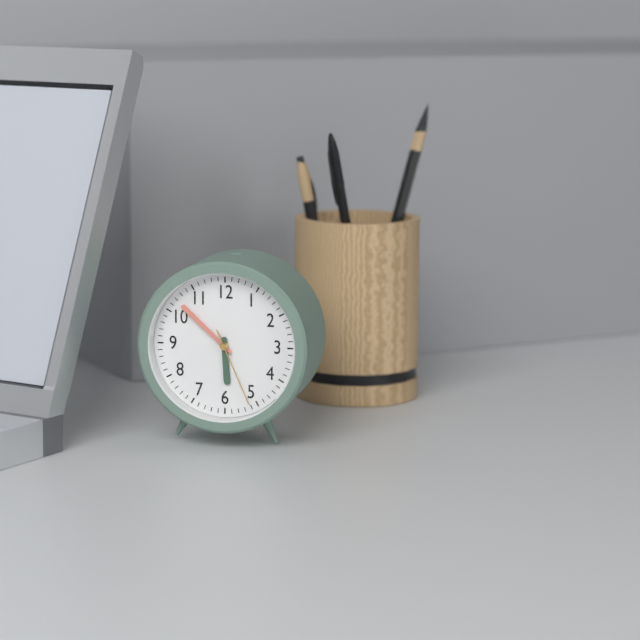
5.52.26
